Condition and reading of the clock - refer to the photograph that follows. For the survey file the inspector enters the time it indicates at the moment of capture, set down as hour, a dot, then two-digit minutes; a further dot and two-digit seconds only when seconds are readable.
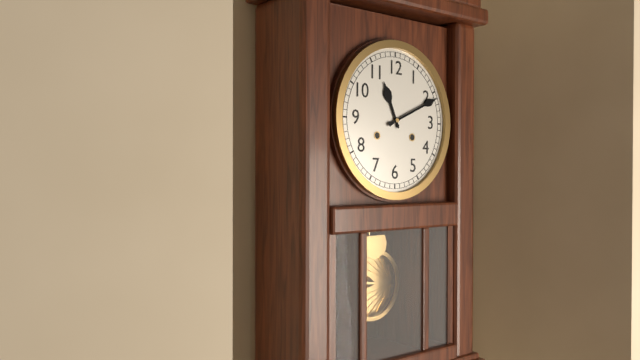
11.11
